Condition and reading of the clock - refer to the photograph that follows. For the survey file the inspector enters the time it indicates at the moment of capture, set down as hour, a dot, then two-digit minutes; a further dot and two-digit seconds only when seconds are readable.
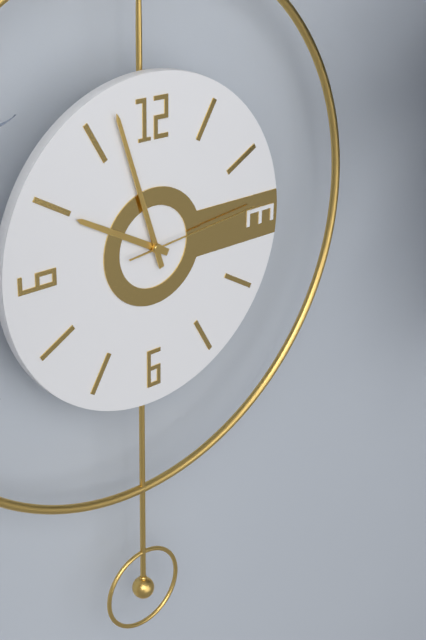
9.57.14
